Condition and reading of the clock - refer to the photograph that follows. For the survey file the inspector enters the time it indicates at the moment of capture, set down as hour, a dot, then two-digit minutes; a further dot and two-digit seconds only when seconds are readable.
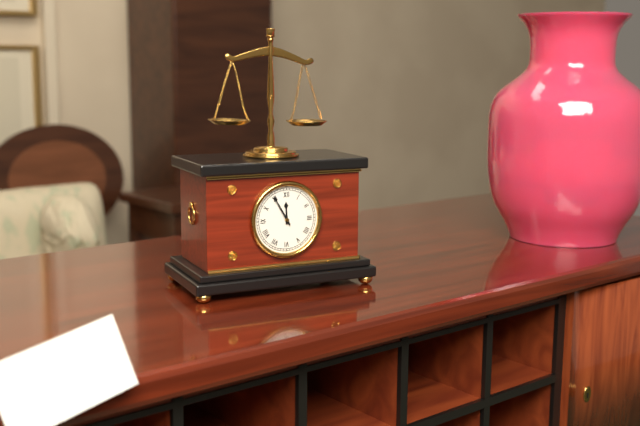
11.55
